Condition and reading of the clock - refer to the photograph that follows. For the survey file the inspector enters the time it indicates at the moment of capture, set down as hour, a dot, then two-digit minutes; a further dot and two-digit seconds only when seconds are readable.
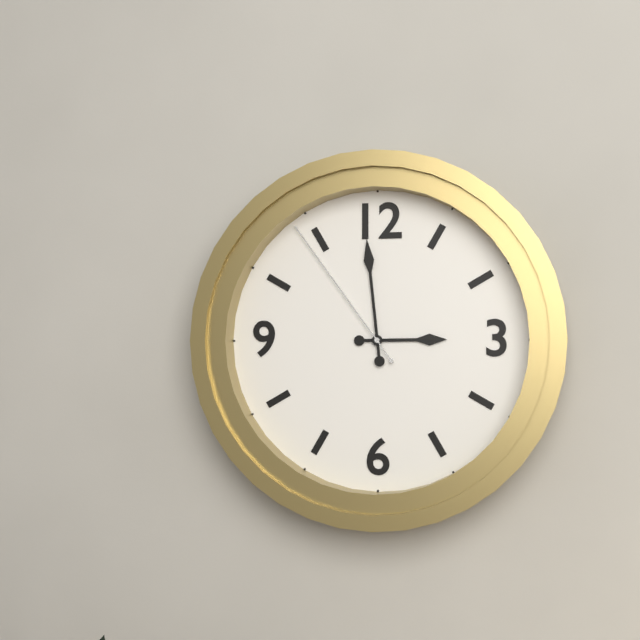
2.59.54
